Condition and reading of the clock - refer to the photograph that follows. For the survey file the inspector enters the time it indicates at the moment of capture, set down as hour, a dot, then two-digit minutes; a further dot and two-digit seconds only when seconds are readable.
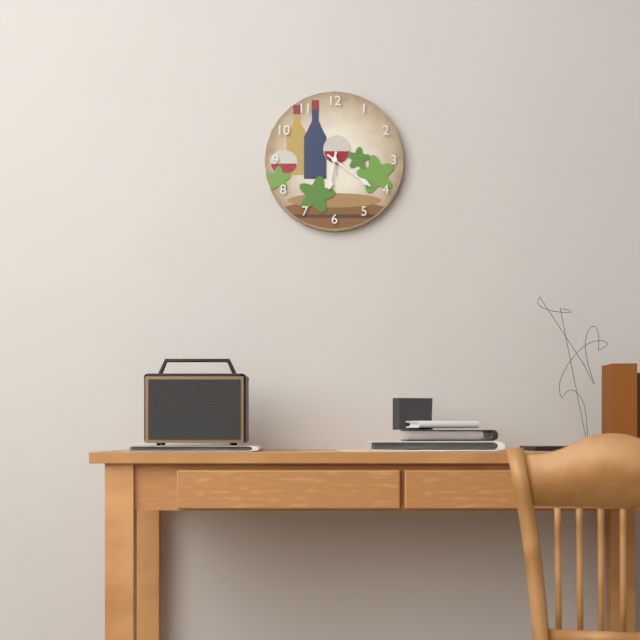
6.21
